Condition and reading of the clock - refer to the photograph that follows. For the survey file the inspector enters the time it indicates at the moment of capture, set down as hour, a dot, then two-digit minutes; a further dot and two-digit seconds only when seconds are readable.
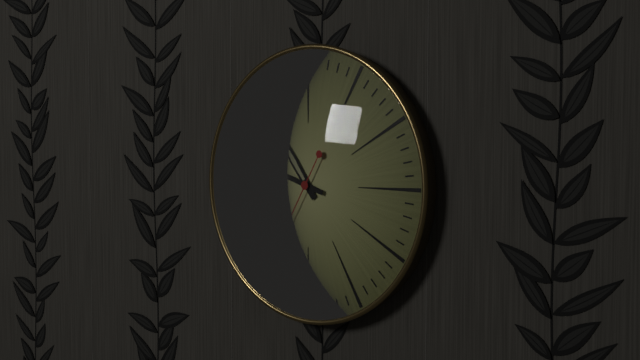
10.48.35
